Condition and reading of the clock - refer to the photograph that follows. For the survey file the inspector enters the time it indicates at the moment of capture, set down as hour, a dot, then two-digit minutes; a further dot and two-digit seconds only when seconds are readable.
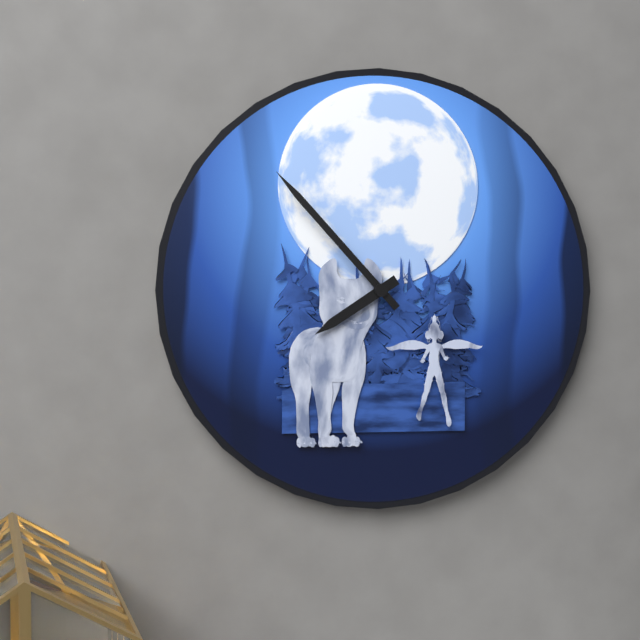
7.53
